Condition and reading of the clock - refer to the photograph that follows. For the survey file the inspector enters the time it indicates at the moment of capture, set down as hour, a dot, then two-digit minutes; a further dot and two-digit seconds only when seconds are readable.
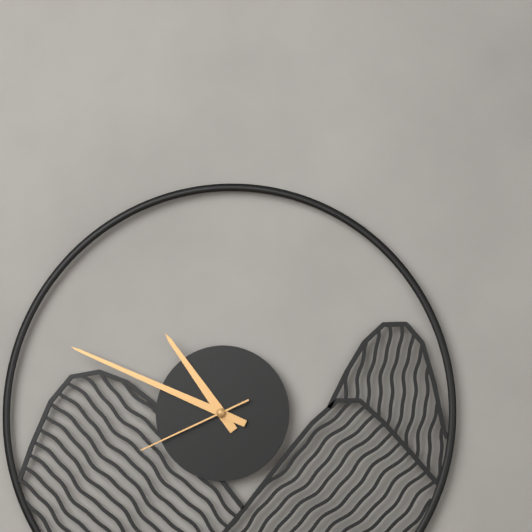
10.49.41
